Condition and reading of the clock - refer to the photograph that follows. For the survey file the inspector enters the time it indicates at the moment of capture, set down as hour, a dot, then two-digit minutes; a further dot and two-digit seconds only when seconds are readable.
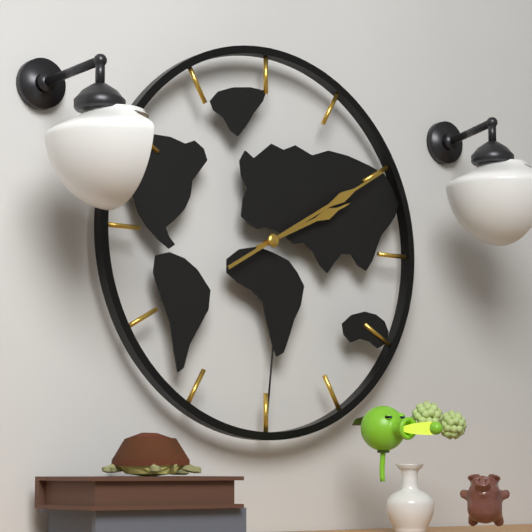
2.10
